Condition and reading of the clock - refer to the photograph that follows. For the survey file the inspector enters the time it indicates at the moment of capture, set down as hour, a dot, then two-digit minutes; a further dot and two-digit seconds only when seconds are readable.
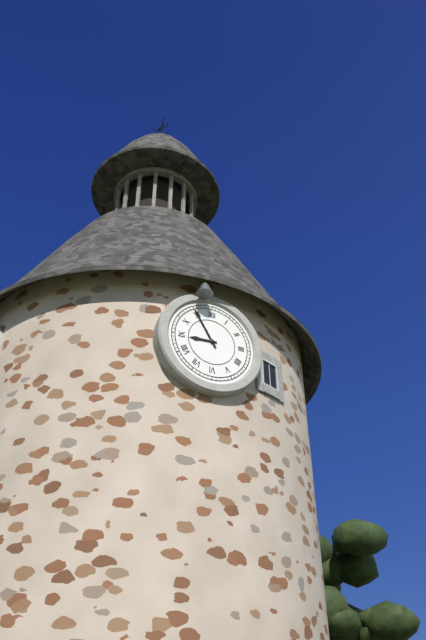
8.55
